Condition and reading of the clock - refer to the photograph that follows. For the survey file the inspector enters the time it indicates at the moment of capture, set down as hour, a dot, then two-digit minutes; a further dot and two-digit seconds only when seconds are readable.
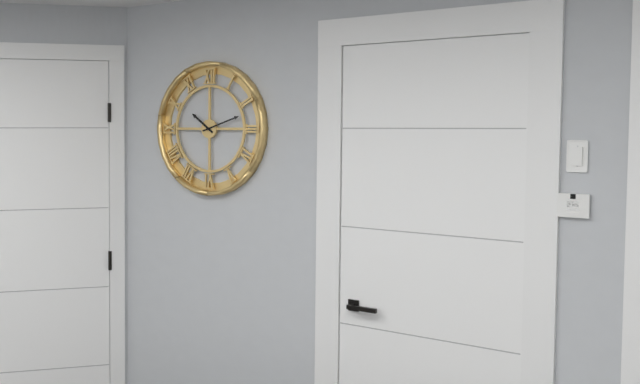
10.12
